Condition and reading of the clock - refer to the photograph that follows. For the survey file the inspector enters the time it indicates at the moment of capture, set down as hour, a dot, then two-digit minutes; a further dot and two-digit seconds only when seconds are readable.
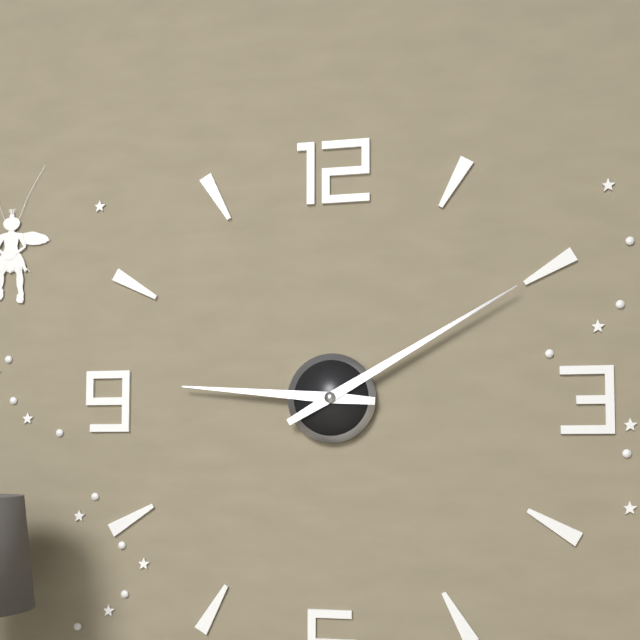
9.10
